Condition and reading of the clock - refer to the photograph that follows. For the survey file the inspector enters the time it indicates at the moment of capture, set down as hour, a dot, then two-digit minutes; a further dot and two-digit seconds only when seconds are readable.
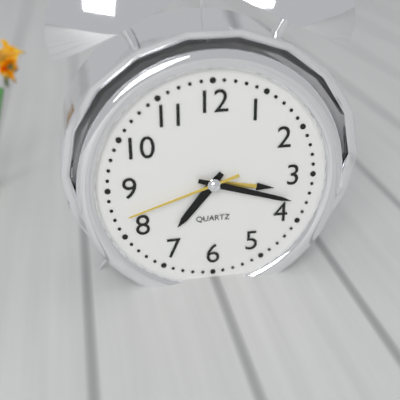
7.18.42
